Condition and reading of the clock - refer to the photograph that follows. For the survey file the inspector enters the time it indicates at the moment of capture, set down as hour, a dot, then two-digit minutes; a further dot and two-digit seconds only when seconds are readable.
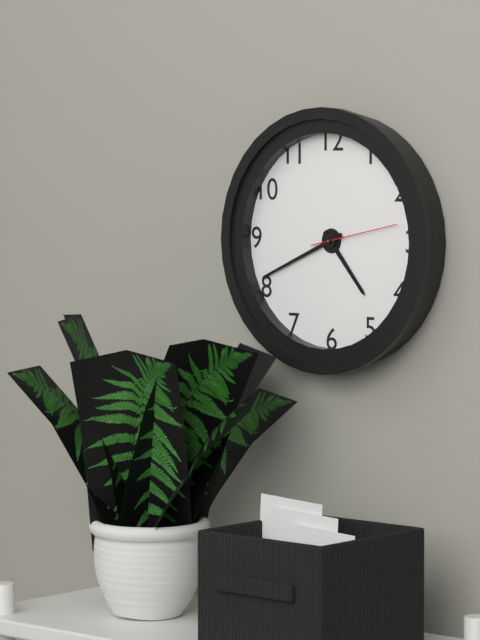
4.41.13
